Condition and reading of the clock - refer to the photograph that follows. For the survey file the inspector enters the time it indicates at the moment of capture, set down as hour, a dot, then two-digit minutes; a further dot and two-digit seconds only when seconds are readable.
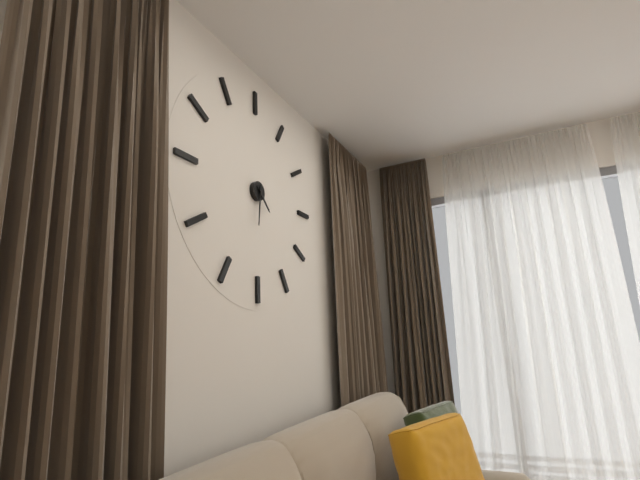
4.31
